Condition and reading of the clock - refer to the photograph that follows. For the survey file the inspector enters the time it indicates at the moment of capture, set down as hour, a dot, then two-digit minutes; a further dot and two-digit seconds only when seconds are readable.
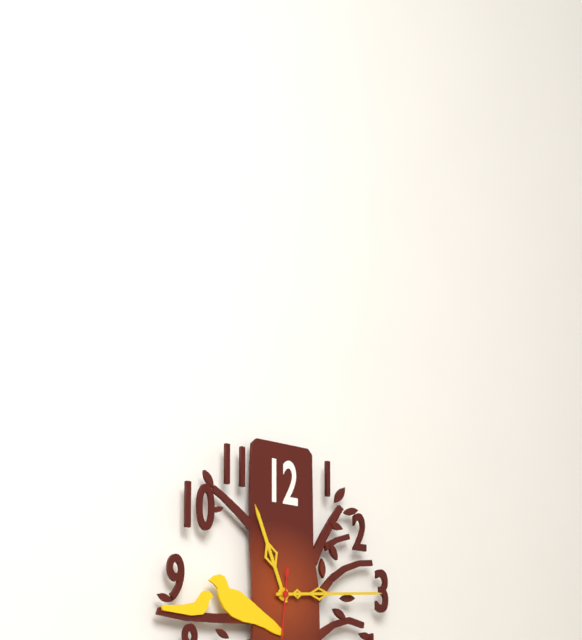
11.14
